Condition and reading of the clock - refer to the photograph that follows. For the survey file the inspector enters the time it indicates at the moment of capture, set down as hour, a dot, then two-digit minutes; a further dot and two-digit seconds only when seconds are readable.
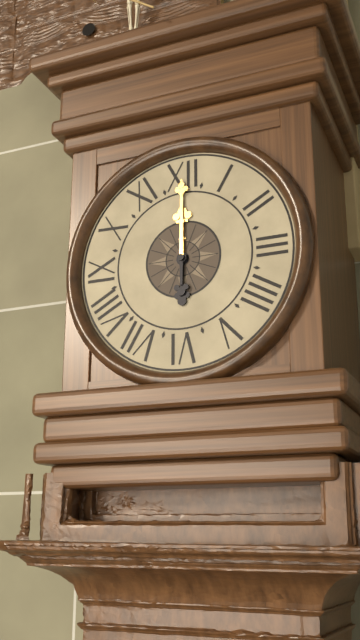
12.00
